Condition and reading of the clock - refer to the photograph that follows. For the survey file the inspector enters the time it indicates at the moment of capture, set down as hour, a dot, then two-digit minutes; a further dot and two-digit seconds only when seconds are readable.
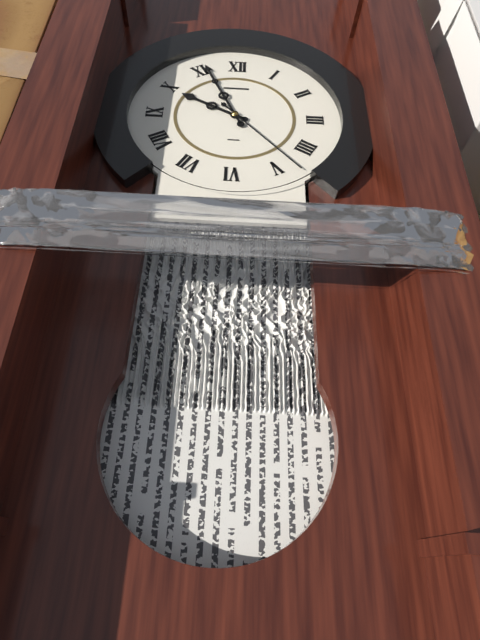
9.56.23
